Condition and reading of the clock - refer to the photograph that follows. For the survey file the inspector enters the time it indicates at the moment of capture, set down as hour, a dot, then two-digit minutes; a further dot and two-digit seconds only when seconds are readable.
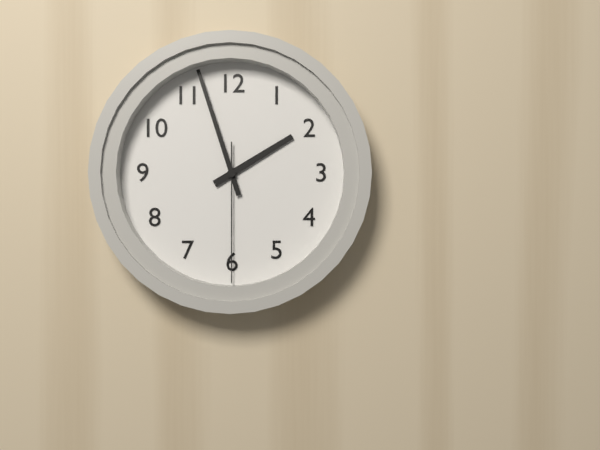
1.57.30
